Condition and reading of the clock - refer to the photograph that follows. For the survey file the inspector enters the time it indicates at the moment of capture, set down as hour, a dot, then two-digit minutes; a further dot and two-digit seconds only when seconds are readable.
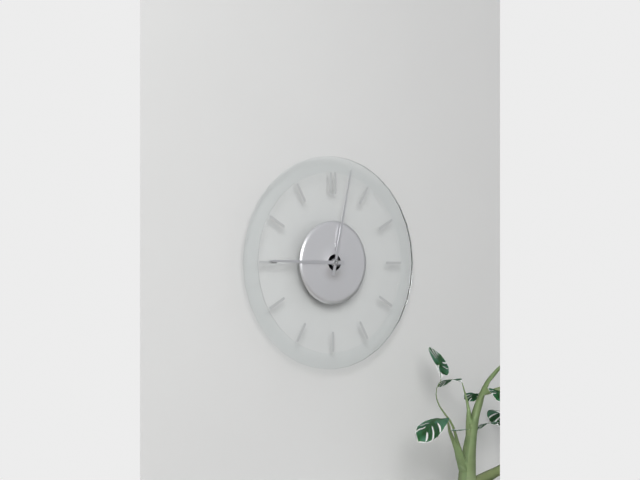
9.02
